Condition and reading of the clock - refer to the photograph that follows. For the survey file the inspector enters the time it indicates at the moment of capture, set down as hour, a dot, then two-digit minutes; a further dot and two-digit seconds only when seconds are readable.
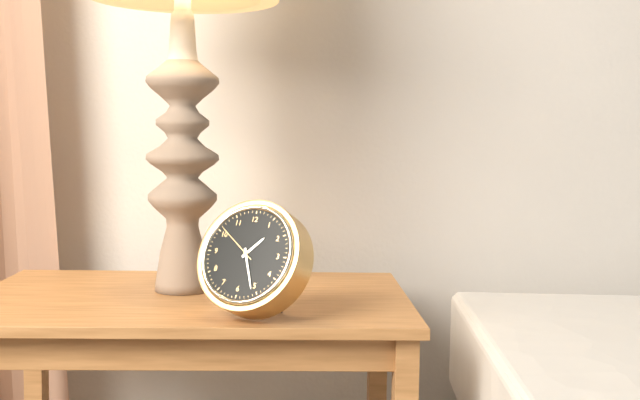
1.26
